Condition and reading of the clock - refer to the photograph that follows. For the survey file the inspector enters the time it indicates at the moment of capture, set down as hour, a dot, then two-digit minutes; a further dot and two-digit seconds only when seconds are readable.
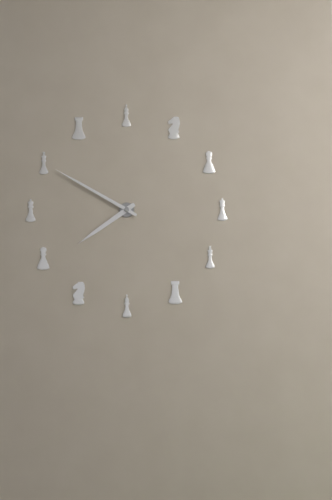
7.50
